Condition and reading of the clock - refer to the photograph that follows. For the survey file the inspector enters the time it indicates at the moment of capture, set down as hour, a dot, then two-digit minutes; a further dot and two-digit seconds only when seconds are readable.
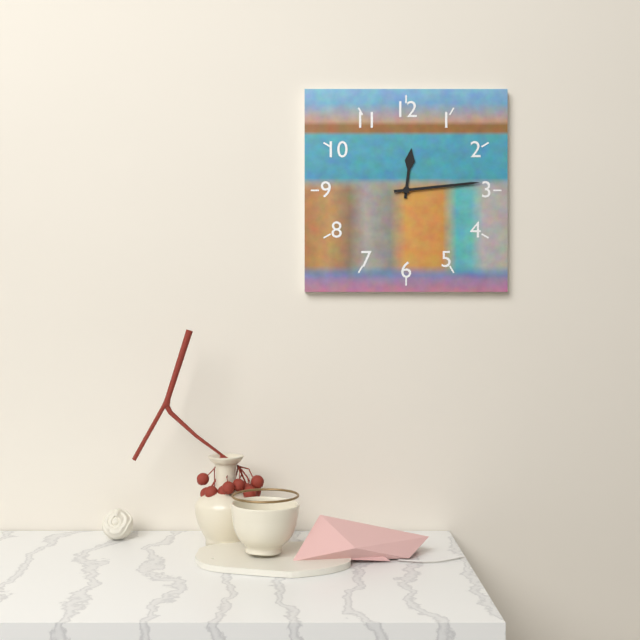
12.14
